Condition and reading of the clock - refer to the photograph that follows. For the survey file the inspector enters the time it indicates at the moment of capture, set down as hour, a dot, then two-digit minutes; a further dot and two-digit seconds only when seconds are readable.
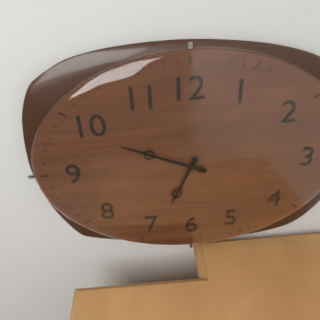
6.49
